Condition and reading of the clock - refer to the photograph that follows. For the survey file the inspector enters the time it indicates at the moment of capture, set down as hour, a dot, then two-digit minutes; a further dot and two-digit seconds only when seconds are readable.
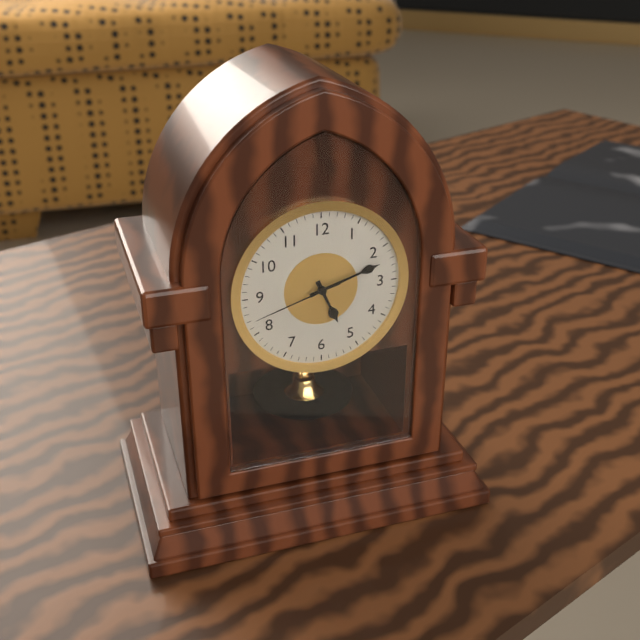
5.12.42
